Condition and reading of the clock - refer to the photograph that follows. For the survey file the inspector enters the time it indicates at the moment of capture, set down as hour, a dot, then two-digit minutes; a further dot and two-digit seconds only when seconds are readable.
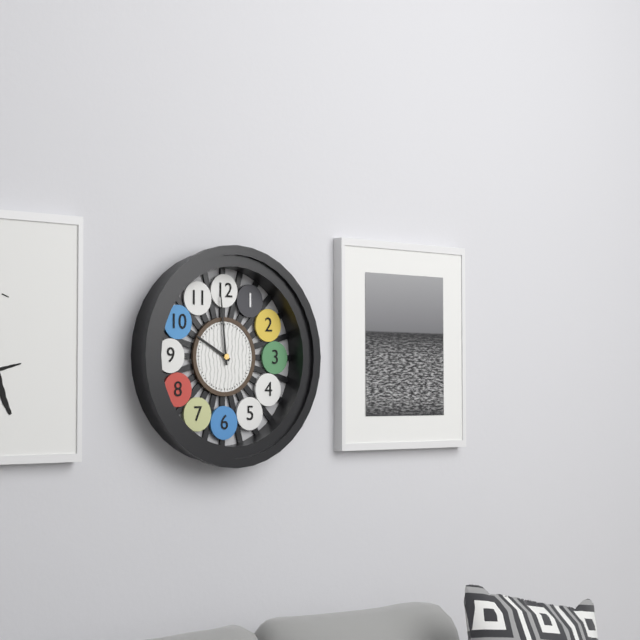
9.59
